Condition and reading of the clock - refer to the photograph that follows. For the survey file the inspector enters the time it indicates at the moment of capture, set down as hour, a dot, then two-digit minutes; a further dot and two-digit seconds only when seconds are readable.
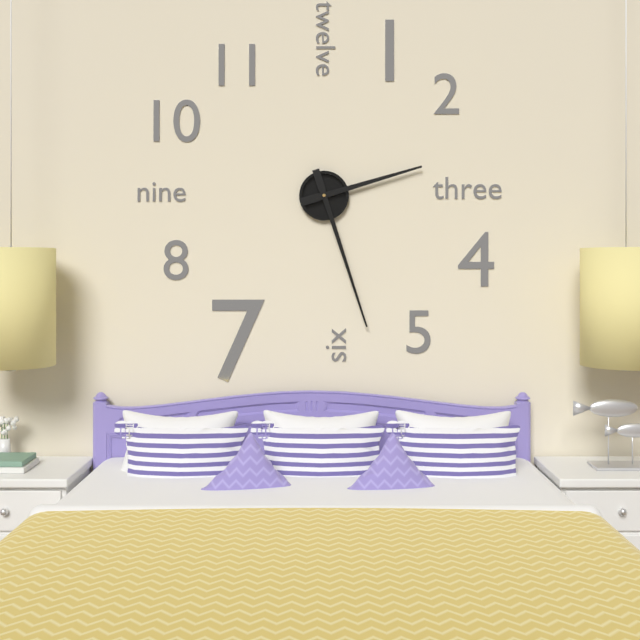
2.27
